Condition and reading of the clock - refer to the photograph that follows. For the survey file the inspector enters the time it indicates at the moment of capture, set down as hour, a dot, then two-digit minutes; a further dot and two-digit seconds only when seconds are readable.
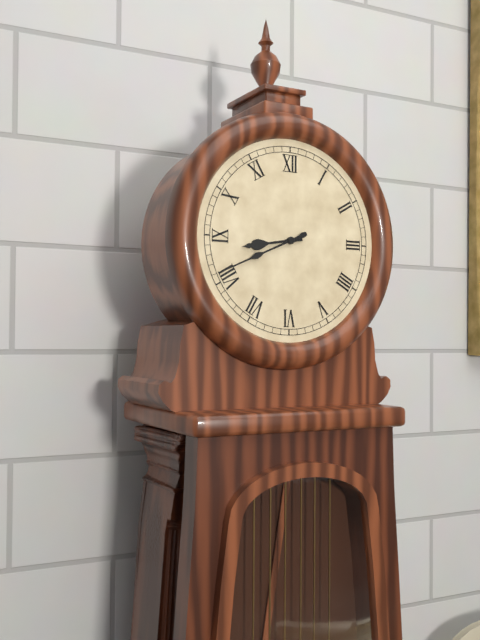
8.41
